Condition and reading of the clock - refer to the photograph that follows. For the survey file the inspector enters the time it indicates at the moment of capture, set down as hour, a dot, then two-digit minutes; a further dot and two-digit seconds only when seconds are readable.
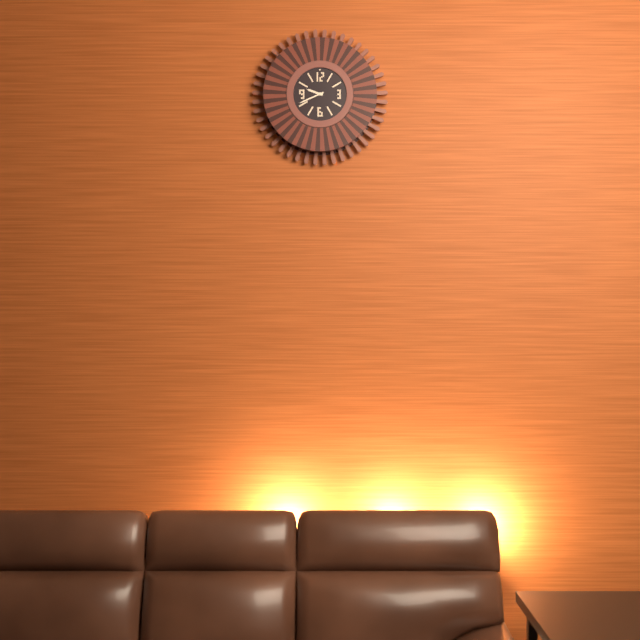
9.41
